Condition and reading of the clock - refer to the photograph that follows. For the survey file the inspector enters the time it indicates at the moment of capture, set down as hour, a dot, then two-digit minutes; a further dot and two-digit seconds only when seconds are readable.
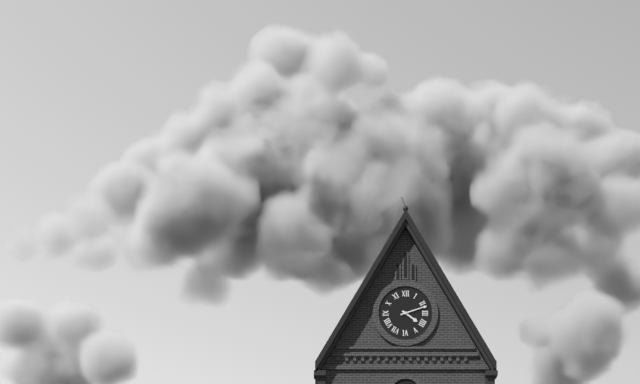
4.12
